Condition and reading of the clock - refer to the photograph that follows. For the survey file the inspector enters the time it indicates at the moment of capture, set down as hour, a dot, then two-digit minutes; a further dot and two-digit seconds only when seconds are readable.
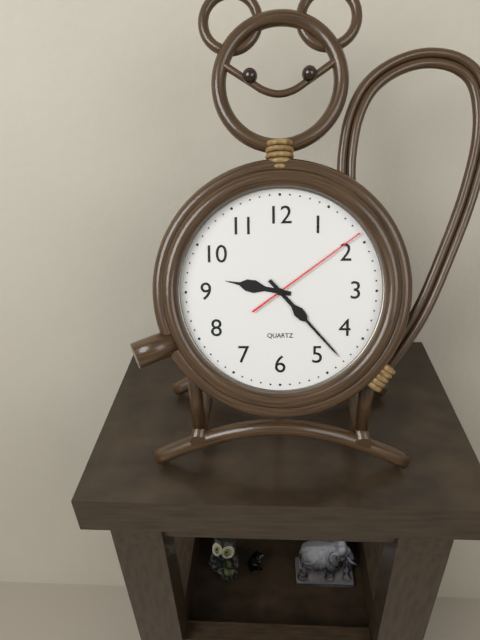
9.23.09
